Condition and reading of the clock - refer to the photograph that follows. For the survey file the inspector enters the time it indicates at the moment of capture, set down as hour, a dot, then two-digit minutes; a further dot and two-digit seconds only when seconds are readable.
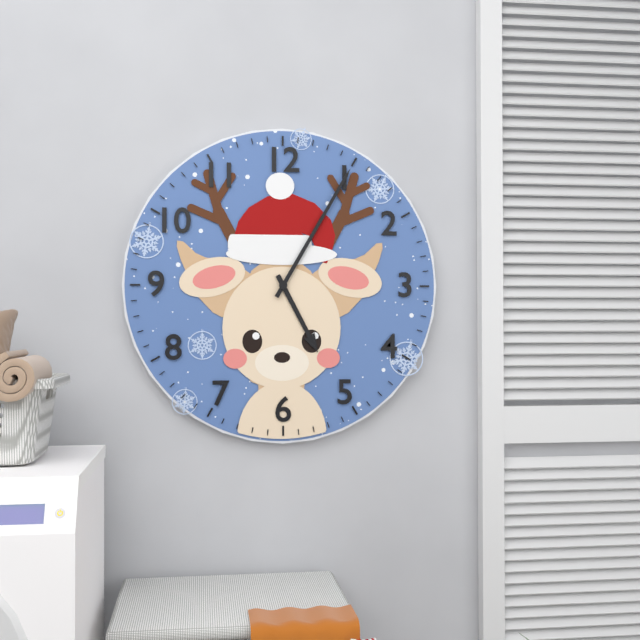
5.05
